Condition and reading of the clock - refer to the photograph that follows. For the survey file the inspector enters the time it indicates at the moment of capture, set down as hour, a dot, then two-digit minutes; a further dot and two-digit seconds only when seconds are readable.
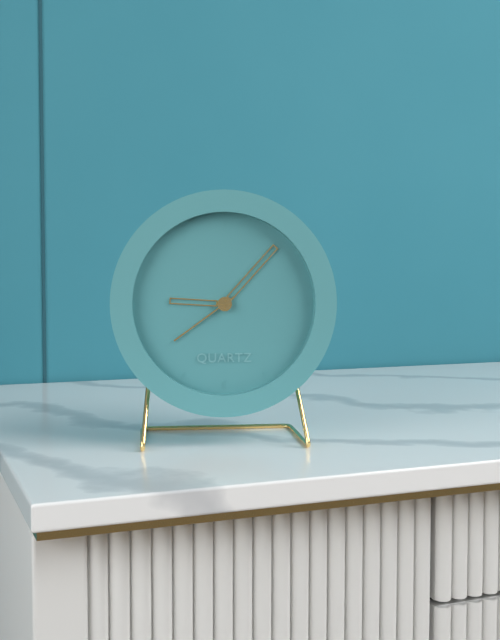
9.07.39
